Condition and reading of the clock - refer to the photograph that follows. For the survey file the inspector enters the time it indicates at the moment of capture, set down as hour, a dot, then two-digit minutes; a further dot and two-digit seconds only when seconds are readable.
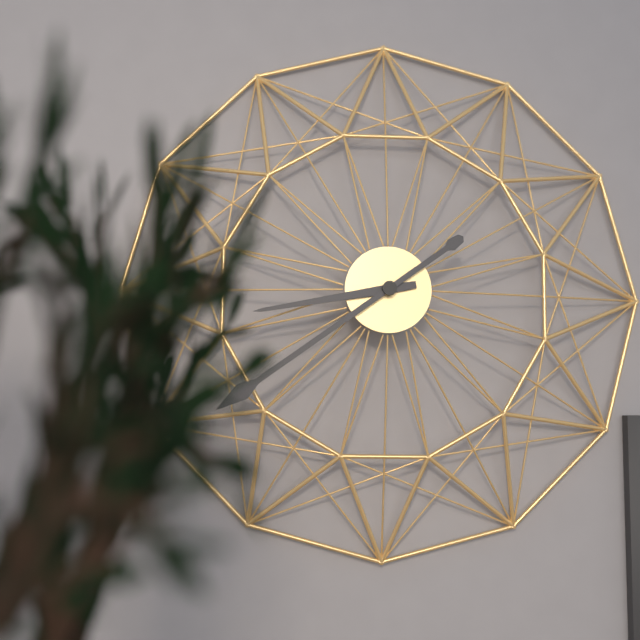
8.39
